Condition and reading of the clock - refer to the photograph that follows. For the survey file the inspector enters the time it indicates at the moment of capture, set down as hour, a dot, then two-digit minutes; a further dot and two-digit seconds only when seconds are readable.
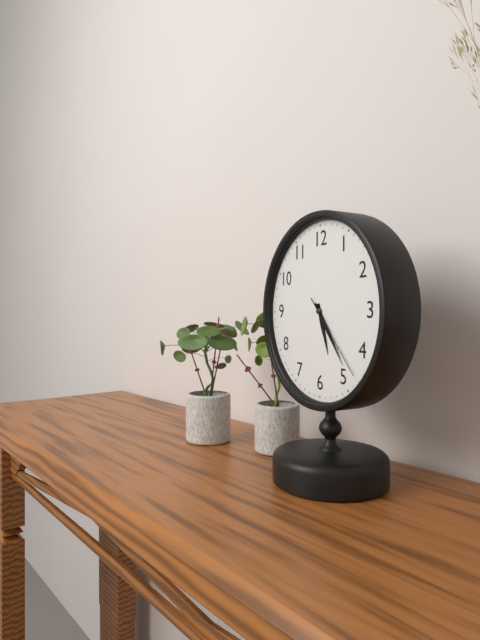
5.24.23
